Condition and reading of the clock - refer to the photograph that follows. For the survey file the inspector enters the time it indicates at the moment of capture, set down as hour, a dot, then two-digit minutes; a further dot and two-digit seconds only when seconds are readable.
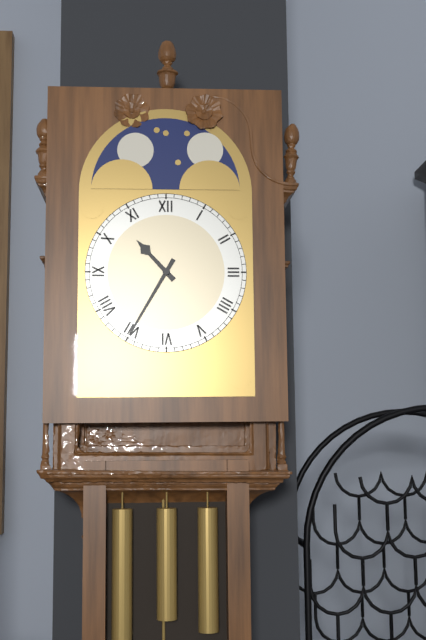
10.35
